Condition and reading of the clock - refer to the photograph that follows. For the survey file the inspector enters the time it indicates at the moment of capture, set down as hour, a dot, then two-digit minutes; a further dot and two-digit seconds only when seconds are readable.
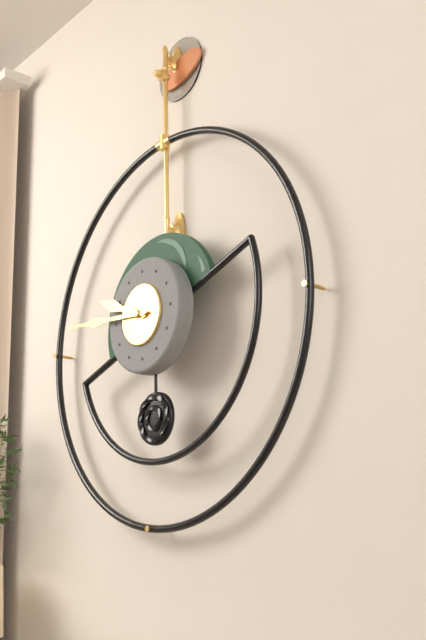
9.46
